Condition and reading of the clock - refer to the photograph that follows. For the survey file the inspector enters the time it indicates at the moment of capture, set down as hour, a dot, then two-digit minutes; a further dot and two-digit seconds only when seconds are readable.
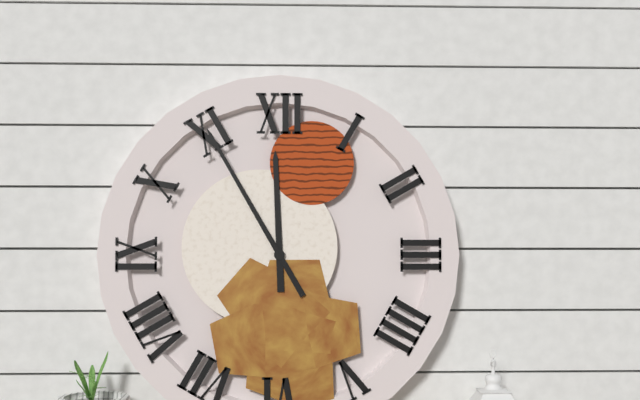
11.55
